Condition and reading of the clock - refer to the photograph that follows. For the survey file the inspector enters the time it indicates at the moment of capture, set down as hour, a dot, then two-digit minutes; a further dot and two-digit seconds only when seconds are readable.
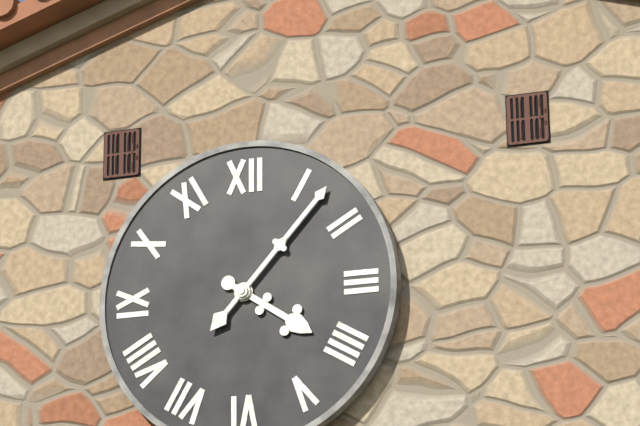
4.07
